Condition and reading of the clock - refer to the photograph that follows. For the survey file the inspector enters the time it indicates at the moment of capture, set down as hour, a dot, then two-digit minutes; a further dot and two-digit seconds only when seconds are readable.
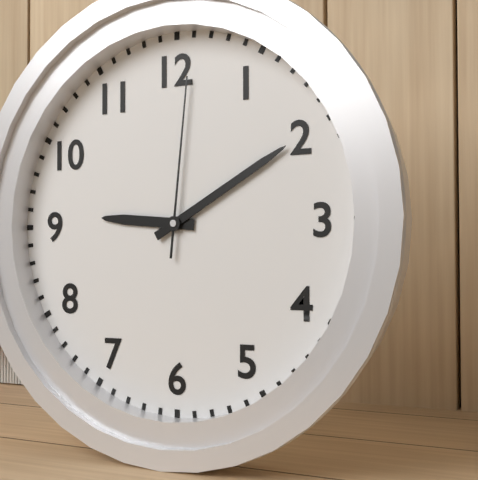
9.10.01
